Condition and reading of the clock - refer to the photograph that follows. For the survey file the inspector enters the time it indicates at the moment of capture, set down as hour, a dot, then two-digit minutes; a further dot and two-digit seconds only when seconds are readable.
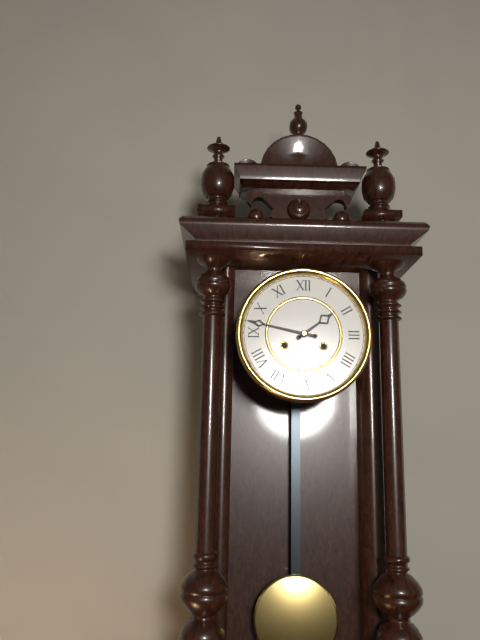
1.47
